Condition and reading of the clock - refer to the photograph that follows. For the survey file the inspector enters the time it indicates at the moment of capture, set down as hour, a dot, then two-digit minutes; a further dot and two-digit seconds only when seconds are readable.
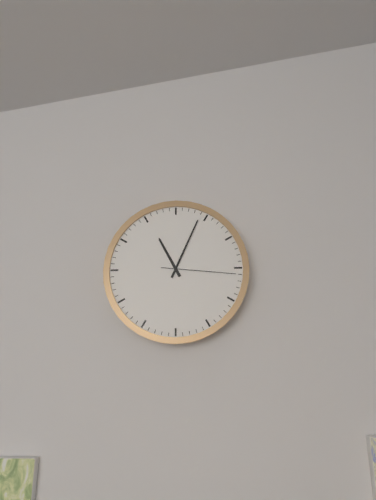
11.04.16
